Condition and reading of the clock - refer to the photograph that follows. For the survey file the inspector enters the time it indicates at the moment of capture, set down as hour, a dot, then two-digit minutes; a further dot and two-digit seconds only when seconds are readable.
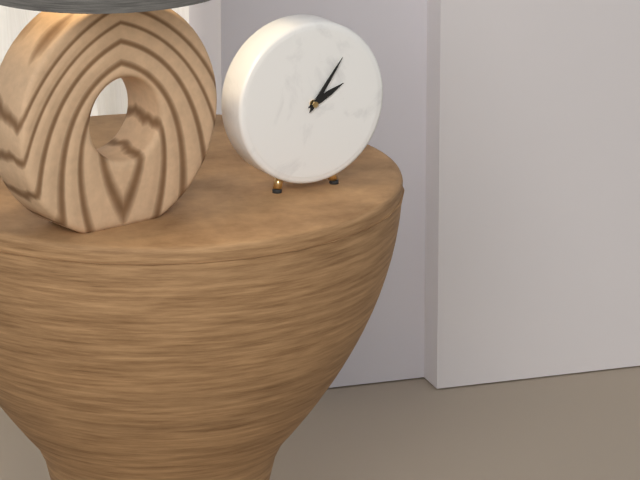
2.06
